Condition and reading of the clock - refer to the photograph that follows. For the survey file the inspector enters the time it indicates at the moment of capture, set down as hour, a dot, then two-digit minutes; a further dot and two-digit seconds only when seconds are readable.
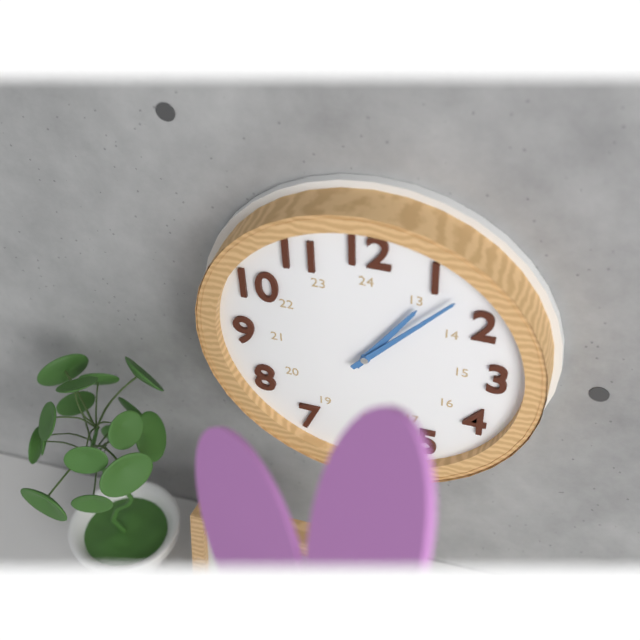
1.07
